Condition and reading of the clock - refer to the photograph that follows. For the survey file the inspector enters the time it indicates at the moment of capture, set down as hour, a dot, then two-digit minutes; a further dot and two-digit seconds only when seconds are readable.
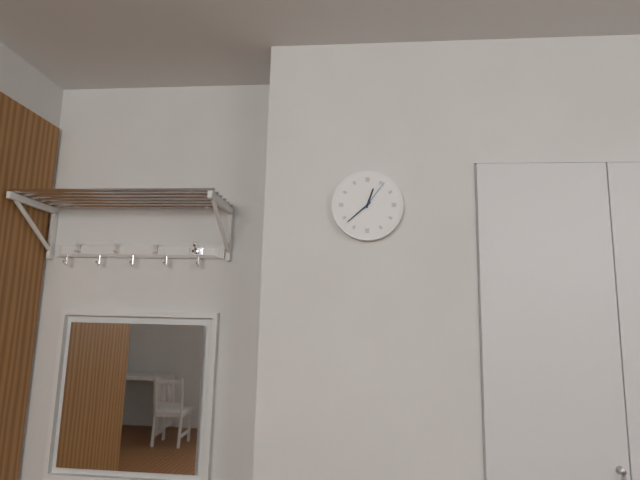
12.38
